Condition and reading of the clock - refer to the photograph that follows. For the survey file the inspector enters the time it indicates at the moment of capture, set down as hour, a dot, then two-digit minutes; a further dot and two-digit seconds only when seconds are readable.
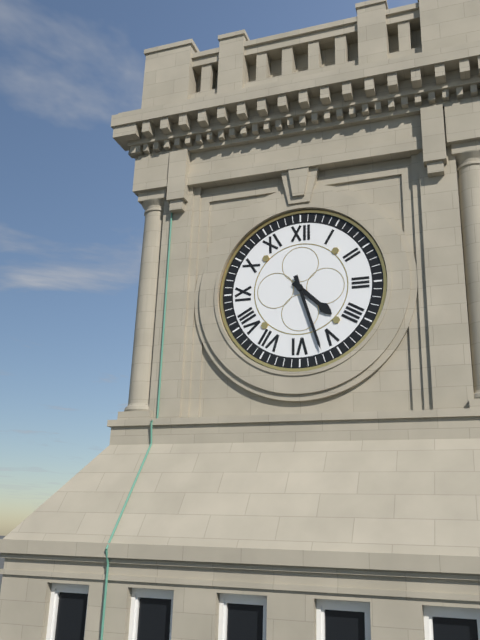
4.27
